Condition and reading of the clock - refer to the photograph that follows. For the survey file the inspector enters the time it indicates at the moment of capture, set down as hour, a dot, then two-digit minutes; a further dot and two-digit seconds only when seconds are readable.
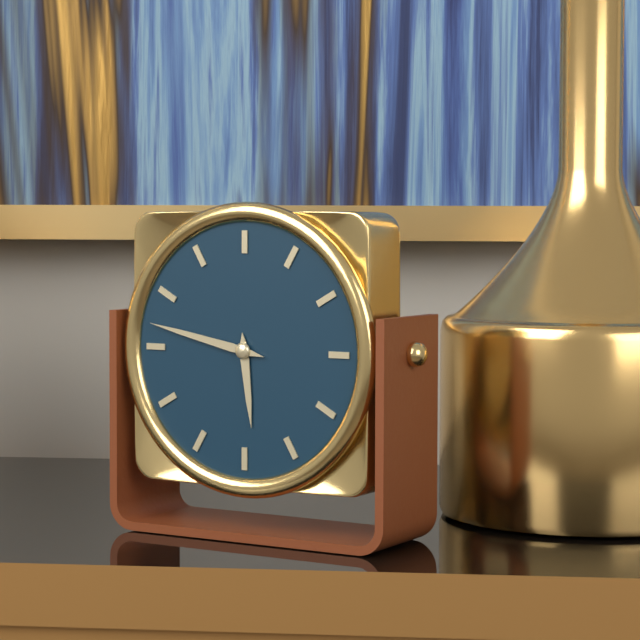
5.47
